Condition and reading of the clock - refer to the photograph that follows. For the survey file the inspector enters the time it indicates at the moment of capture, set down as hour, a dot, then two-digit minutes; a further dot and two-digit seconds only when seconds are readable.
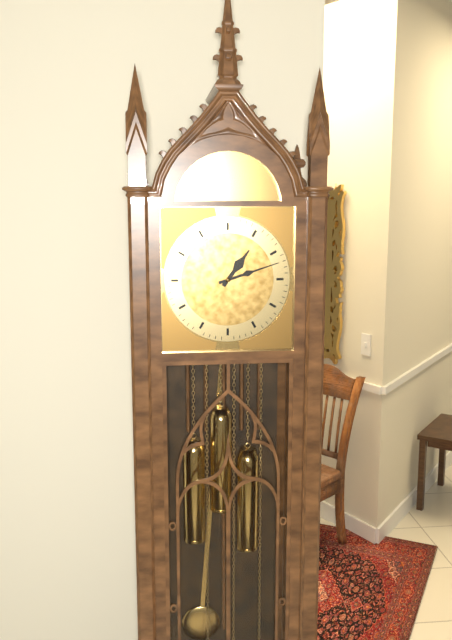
1.12
